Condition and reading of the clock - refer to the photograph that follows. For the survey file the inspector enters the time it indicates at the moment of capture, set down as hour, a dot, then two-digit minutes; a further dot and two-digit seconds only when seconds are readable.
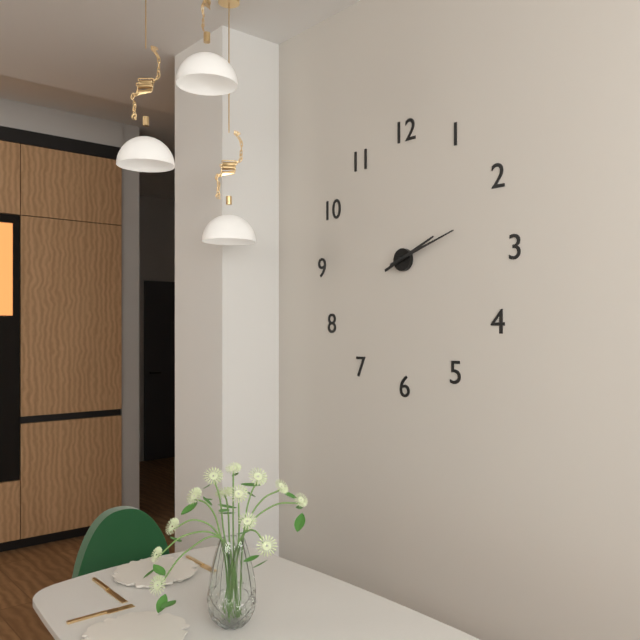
2.12
